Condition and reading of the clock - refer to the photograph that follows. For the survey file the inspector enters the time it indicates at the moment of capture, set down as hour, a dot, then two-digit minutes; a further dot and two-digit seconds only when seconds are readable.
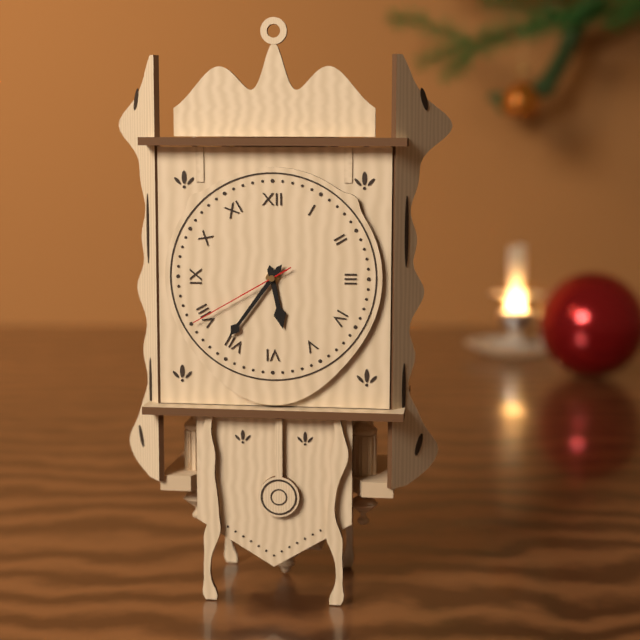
5.36.40
